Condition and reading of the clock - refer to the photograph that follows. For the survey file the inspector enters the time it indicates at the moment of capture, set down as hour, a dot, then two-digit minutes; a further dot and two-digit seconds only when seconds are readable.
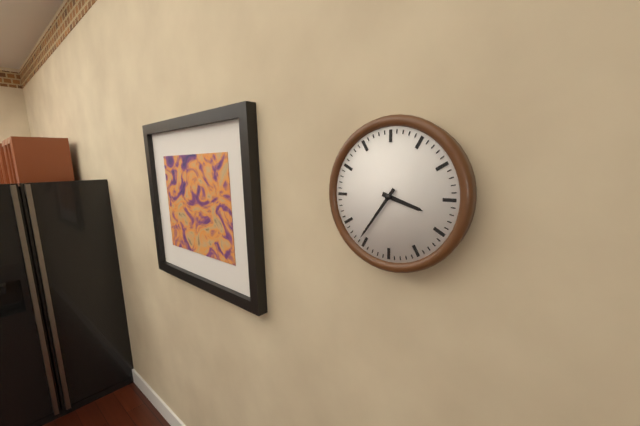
3.36
